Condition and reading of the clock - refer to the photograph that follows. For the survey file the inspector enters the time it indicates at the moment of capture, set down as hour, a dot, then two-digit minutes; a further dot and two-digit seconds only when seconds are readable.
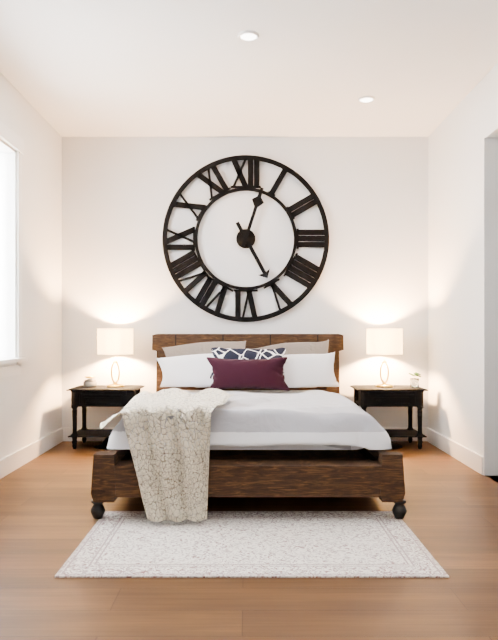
5.03
